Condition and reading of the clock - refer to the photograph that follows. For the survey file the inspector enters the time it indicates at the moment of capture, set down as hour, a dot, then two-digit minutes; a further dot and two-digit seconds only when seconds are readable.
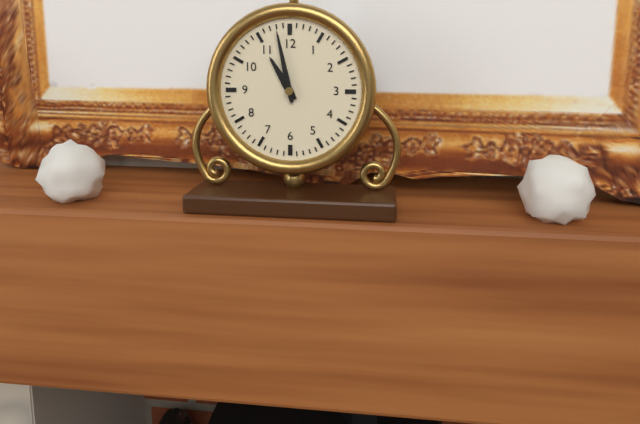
10.58
